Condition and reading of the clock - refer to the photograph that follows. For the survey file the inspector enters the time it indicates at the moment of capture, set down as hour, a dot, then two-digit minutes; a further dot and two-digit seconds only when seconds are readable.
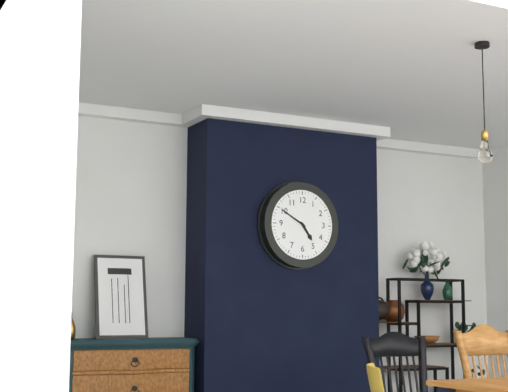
4.50
